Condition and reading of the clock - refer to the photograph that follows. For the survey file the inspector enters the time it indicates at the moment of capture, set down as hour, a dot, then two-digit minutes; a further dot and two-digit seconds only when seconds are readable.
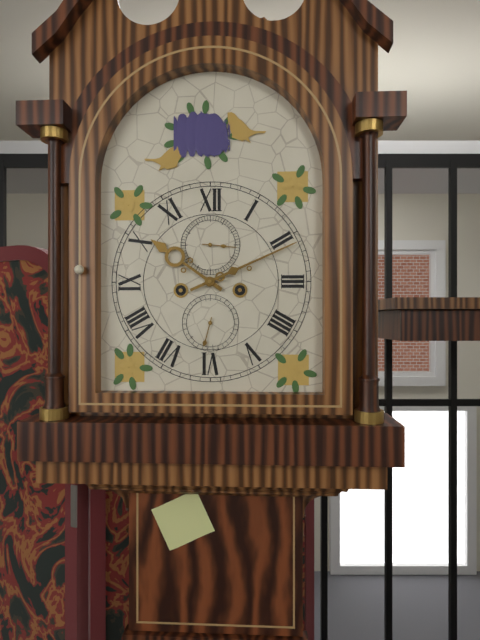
10.11
